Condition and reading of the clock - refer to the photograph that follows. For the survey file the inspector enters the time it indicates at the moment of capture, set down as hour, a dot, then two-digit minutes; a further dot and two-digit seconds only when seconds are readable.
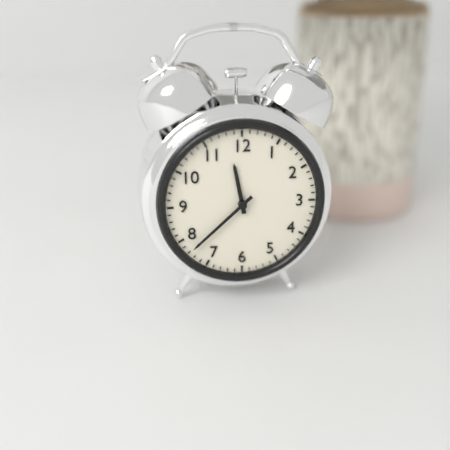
11.38
